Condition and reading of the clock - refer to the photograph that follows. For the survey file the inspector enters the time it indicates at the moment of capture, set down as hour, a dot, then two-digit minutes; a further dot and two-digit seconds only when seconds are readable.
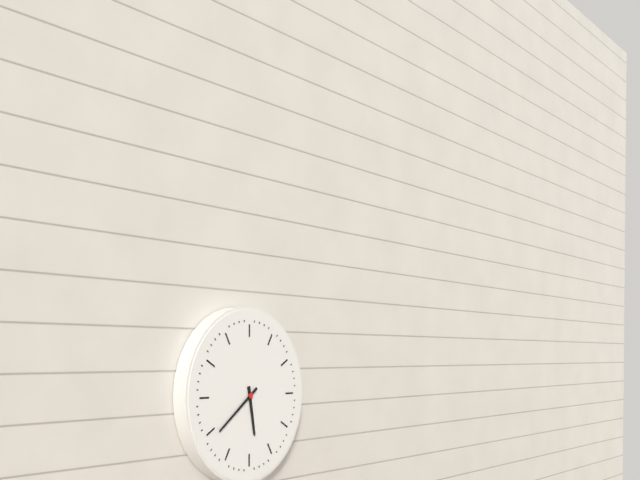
5.39
